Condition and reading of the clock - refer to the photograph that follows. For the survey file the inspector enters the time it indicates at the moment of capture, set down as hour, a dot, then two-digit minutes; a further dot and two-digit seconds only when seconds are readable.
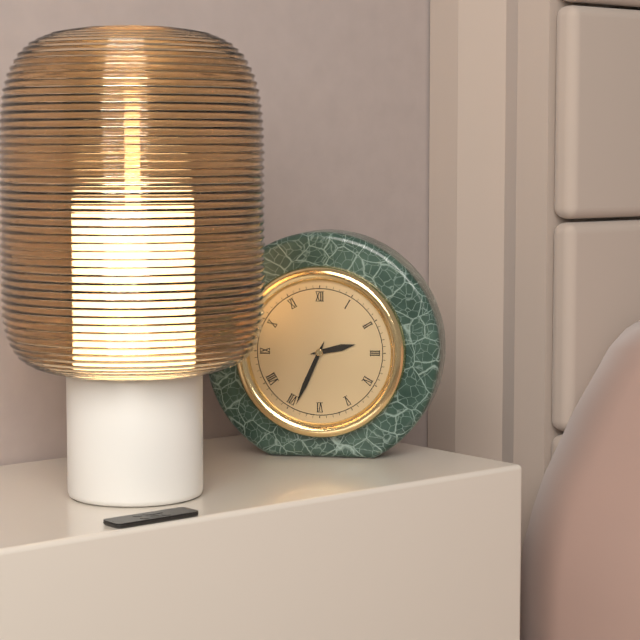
2.34
